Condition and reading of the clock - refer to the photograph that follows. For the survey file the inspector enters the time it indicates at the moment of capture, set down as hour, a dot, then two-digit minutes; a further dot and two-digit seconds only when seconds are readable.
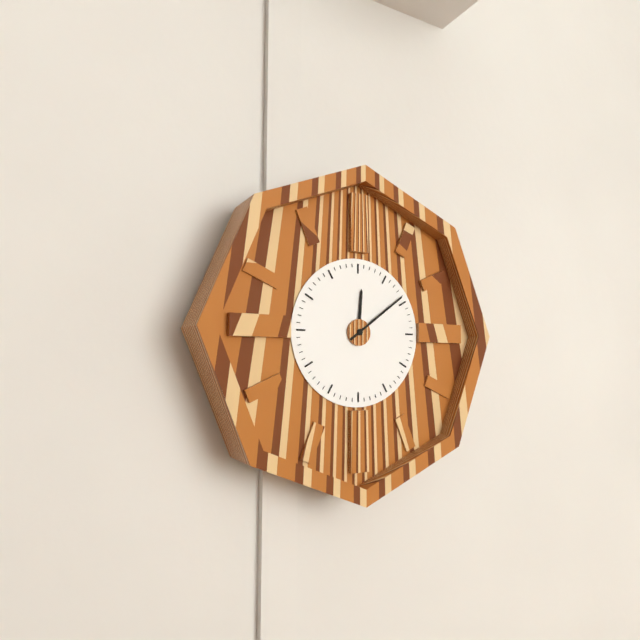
12.09
